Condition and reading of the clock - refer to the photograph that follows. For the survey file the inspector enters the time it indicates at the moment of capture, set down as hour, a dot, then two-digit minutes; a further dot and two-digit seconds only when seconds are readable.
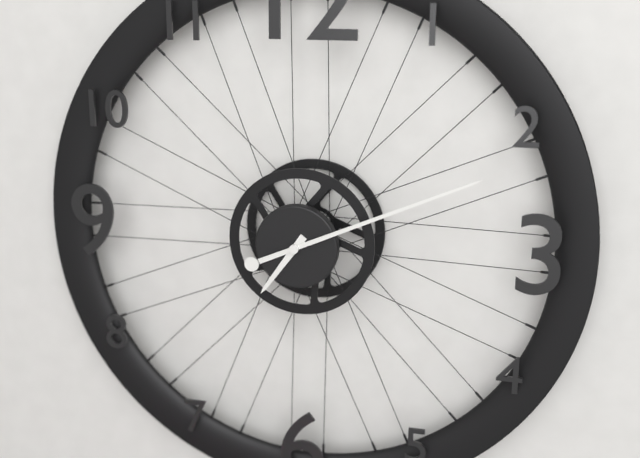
7.11
